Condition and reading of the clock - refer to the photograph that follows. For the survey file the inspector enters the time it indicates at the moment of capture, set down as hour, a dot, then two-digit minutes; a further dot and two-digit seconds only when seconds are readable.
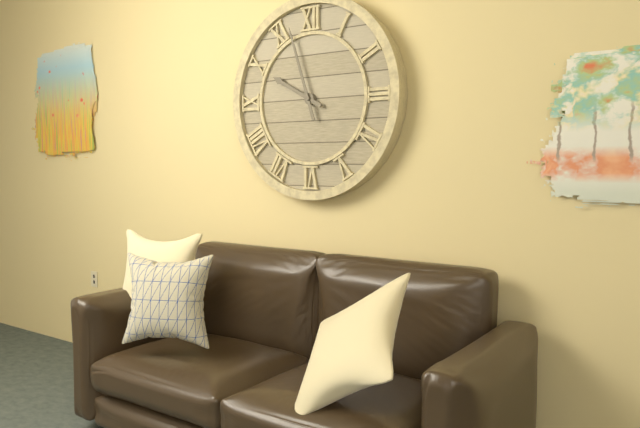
9.57
